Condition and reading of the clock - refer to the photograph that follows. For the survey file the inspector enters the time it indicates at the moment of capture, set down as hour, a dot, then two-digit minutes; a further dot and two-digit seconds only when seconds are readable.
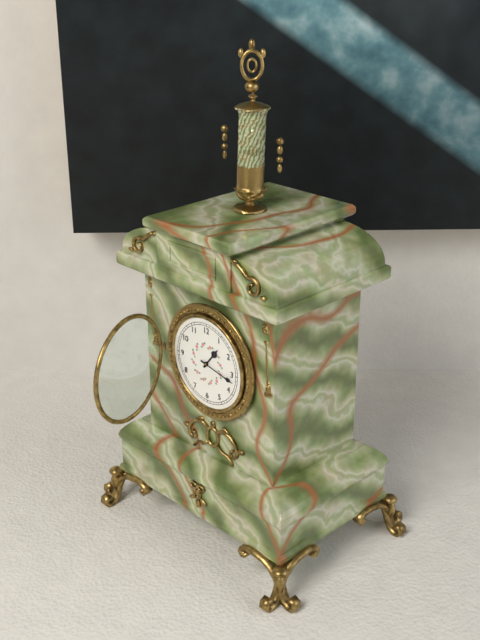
1.17
